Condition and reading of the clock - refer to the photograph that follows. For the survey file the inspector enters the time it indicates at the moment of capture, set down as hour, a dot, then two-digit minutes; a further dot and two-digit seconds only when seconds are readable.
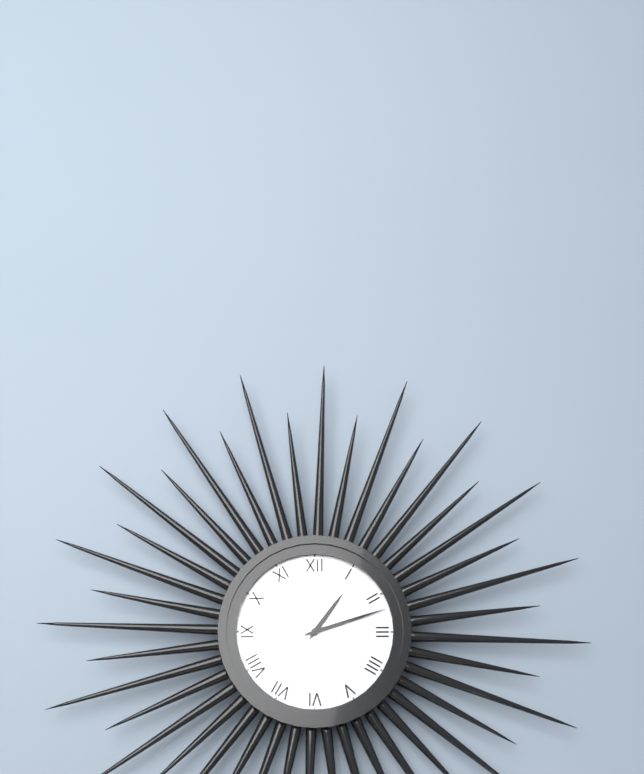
1.12
